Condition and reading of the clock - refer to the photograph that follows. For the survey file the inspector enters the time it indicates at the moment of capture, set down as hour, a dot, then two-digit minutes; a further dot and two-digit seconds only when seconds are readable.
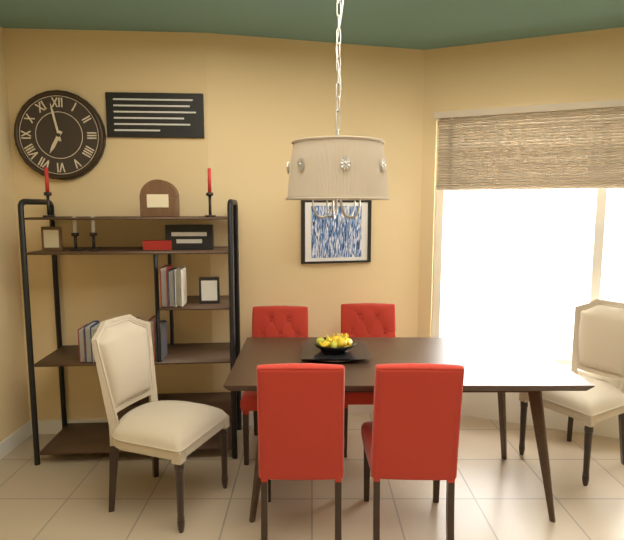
6.58
